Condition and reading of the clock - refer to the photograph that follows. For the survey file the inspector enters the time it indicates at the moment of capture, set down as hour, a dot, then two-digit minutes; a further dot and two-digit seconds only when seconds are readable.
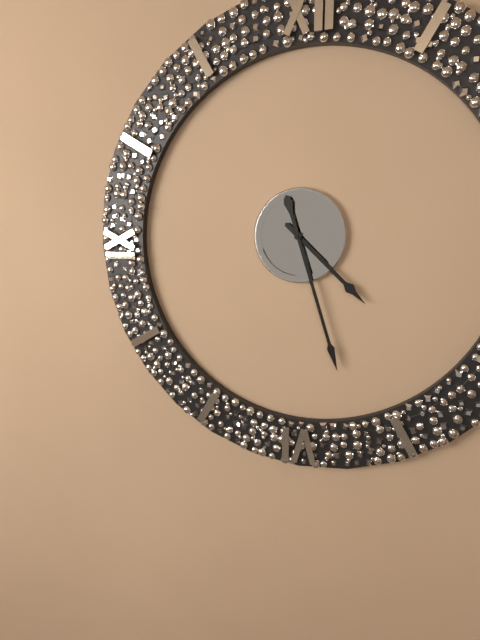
4.27
